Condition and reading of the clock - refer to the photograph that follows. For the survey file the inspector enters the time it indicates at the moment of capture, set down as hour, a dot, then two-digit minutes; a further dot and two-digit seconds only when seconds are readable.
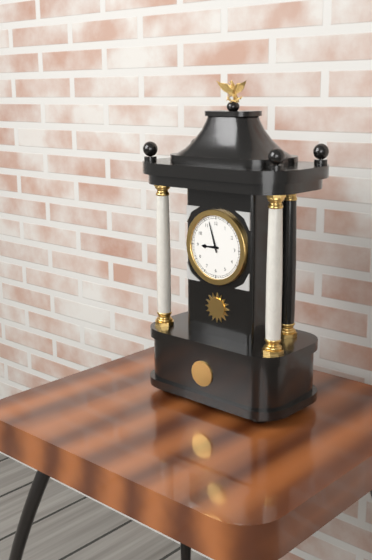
8.57
